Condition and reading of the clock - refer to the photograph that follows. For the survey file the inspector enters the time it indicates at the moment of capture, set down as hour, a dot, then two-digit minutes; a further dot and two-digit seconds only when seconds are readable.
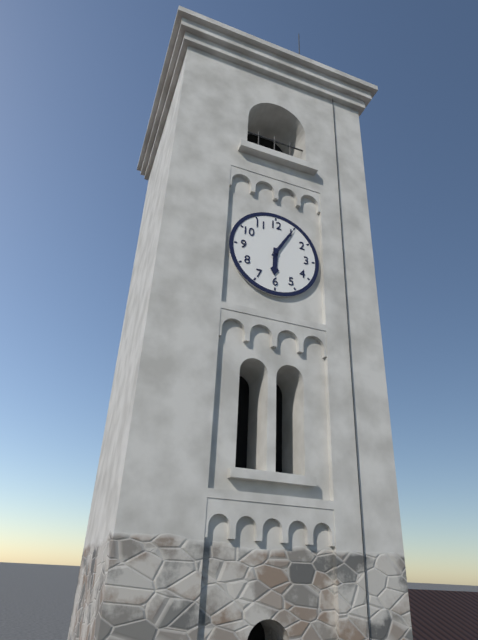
6.05
